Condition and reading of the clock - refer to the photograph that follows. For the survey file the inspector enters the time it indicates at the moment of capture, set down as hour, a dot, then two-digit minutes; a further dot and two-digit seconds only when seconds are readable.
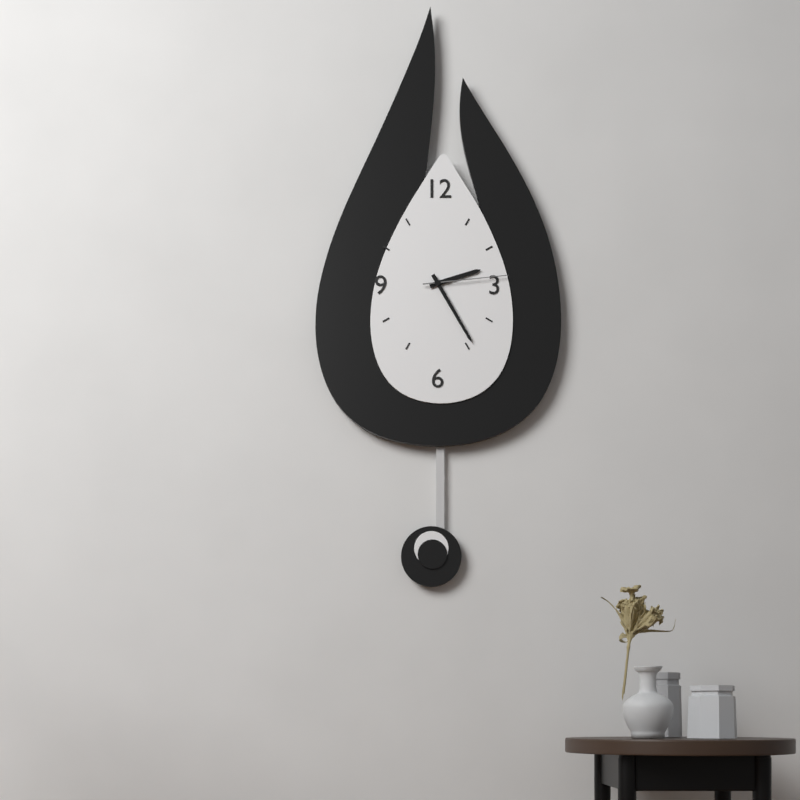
2.25.14
